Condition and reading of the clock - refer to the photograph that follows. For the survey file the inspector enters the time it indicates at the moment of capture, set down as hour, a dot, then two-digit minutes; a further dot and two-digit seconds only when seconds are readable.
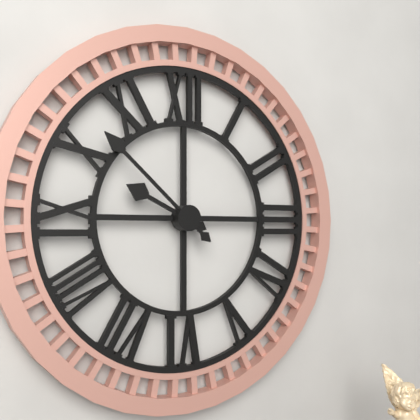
9.52
